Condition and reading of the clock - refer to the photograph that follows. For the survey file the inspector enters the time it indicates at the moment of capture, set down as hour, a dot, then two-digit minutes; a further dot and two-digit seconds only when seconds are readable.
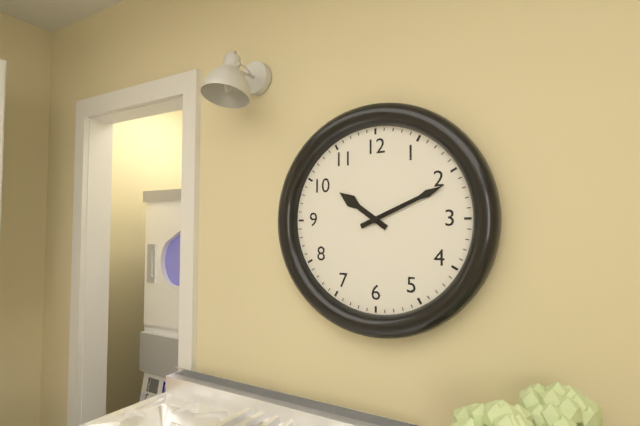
10.11
